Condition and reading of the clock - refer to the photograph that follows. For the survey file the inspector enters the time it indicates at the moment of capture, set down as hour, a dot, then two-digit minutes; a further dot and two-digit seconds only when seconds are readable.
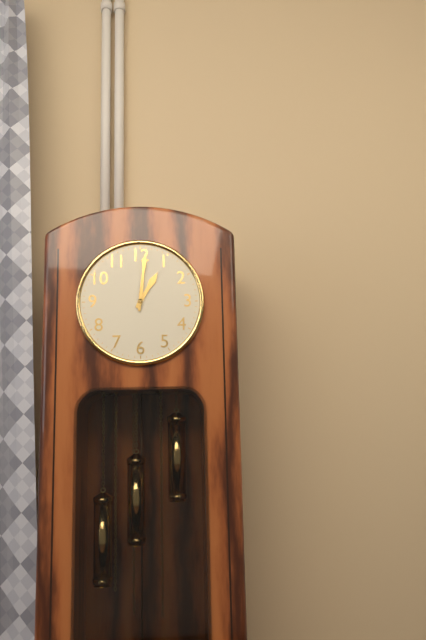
1.01
